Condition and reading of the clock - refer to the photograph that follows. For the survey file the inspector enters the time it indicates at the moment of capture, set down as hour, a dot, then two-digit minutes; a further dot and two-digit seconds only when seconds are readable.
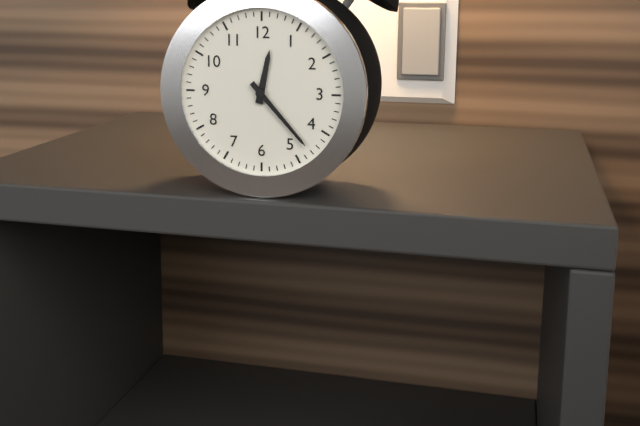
12.23
